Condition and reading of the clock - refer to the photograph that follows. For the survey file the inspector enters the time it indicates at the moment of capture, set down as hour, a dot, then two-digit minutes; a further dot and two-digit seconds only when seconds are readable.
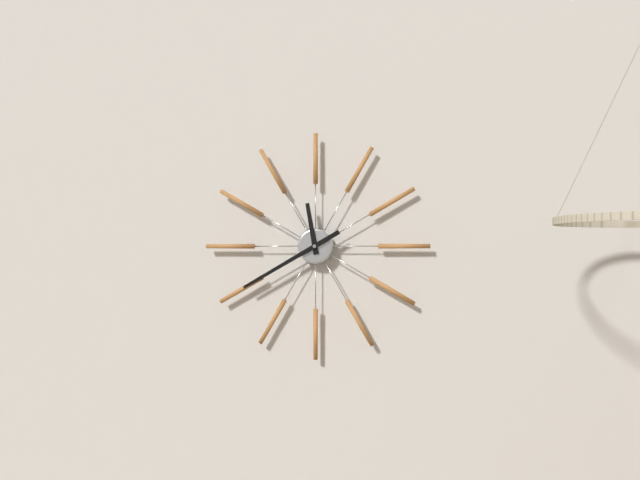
11.40
